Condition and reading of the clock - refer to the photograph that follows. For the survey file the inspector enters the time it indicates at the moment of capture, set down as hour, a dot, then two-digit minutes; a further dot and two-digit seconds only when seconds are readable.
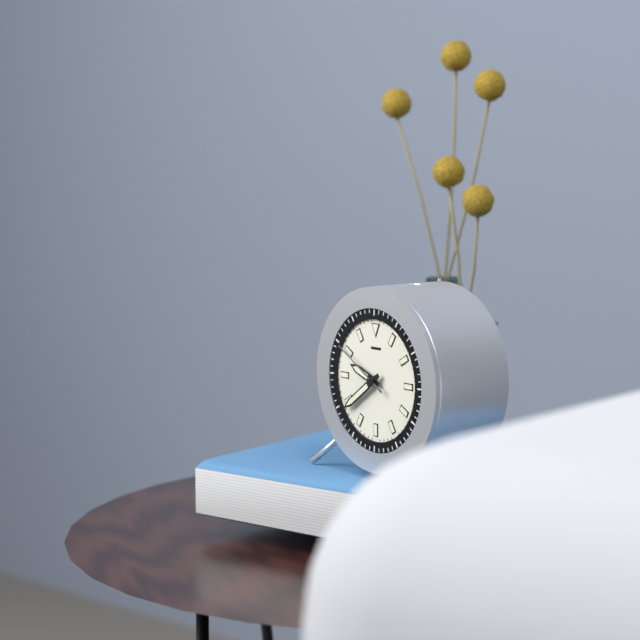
9.39.50
